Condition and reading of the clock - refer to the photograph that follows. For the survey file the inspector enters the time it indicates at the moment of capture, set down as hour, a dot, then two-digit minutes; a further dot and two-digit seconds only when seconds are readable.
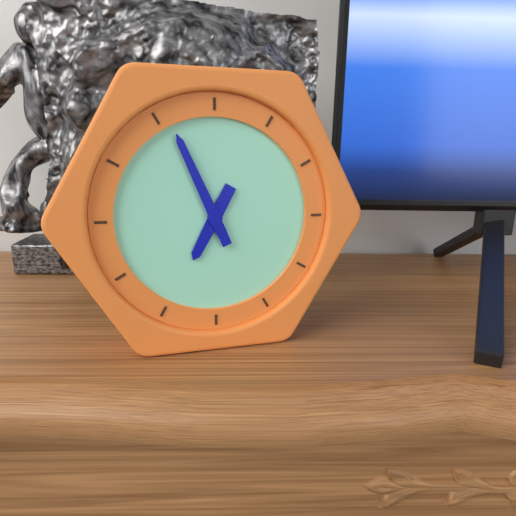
6.56
